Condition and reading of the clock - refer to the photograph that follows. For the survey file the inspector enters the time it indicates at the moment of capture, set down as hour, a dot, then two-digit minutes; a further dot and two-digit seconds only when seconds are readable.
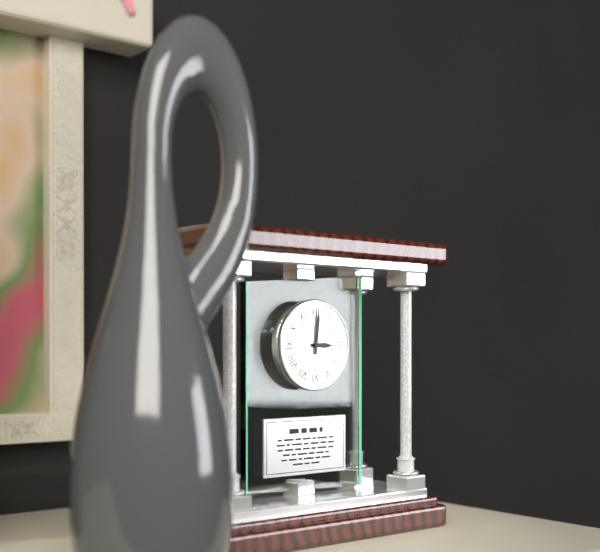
3.01
